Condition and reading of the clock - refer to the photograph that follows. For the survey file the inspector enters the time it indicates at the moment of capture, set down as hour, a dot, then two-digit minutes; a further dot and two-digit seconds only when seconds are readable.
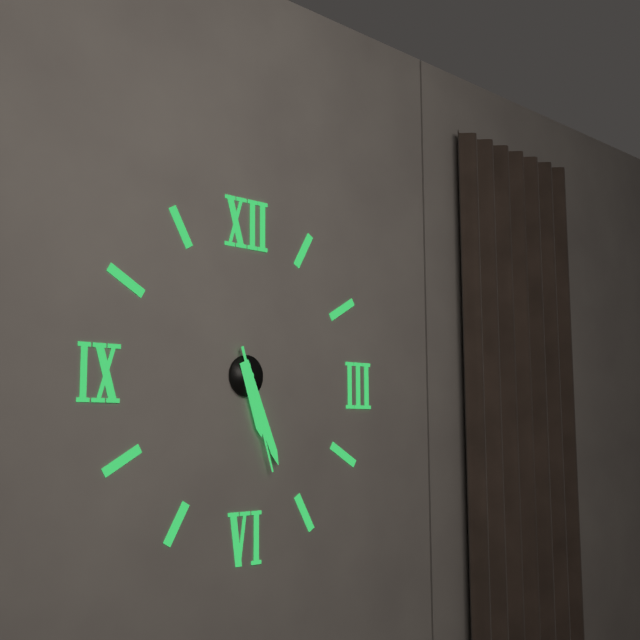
5.26.27
